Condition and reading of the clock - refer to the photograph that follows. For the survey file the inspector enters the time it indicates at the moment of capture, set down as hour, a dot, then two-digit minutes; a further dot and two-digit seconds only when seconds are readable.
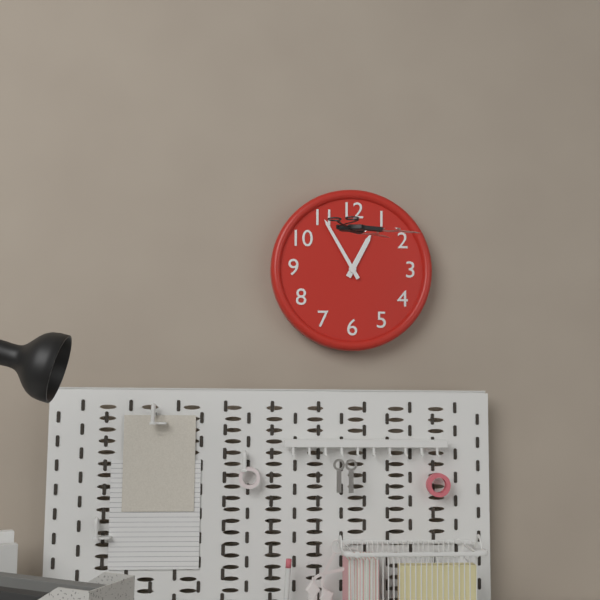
12.55
